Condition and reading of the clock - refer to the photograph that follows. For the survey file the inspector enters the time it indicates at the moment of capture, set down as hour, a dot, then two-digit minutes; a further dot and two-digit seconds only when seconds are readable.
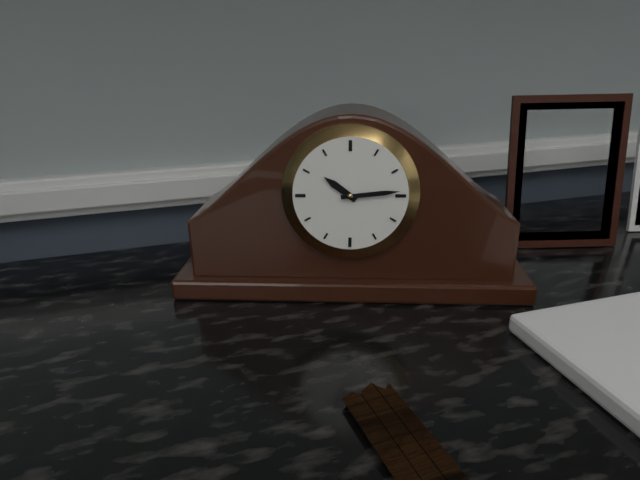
10.14
